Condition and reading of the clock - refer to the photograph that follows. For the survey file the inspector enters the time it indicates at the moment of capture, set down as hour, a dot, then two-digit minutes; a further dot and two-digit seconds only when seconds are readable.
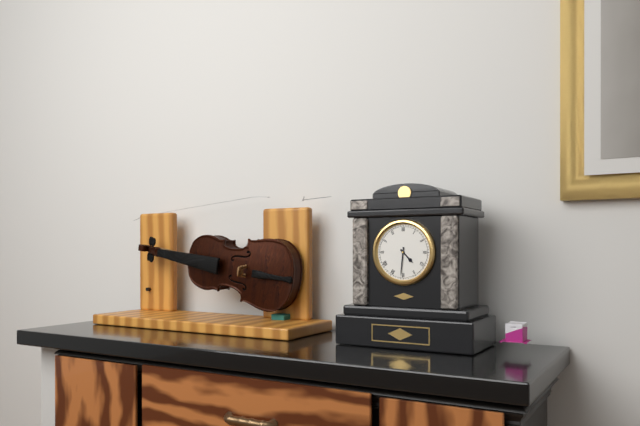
4.31
